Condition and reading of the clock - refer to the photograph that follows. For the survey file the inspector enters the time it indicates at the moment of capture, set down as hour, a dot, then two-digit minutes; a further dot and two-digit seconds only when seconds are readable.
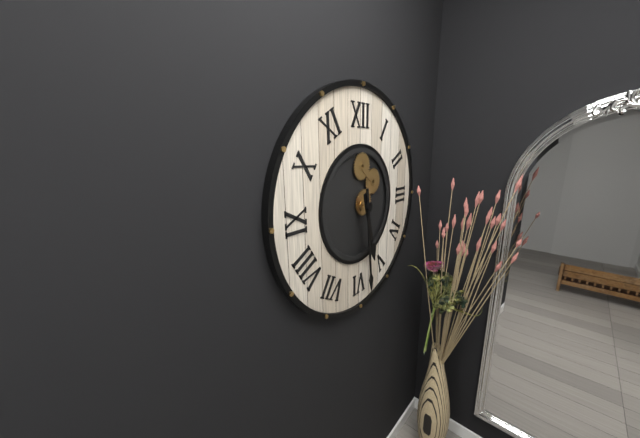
5.29
